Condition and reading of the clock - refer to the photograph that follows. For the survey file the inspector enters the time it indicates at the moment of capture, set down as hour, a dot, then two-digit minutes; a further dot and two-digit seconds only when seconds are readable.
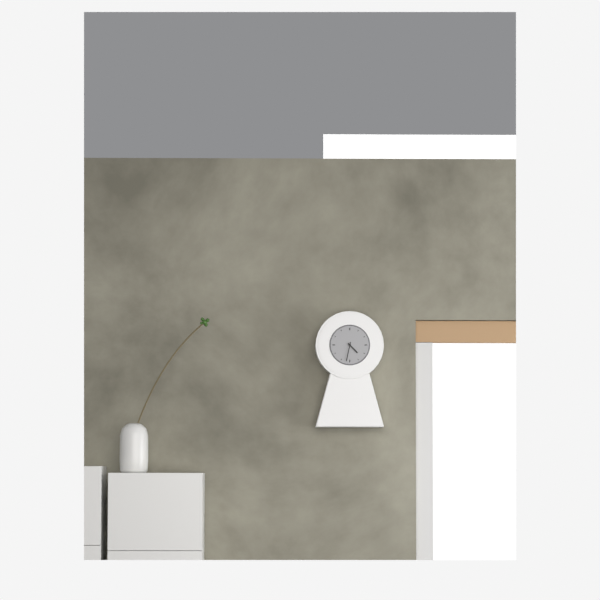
4.32
